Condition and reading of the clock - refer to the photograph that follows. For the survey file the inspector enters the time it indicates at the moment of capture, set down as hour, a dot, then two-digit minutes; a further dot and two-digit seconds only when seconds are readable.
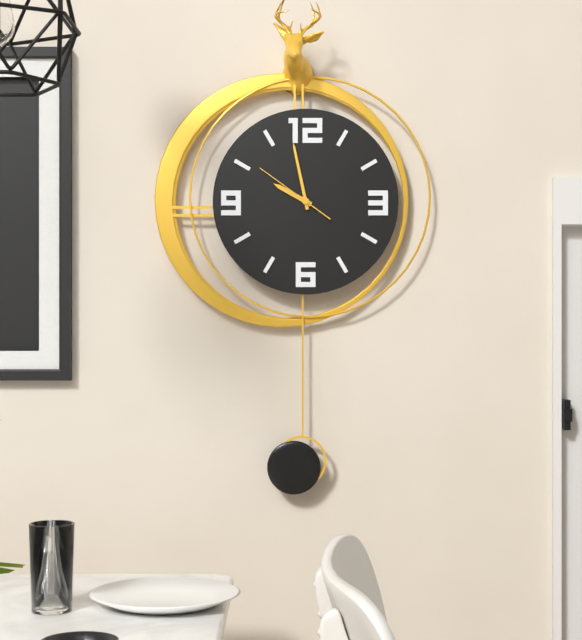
9.58.51
